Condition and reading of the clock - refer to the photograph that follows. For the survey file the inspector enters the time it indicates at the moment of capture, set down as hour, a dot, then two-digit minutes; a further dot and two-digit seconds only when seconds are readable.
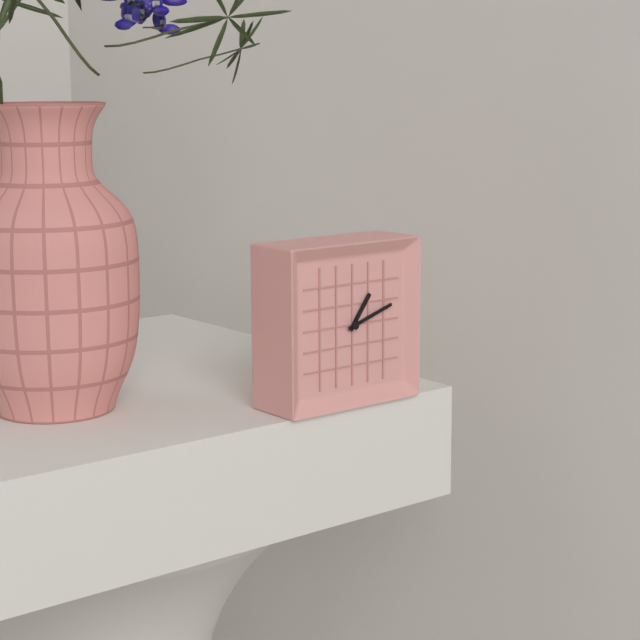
1.12
